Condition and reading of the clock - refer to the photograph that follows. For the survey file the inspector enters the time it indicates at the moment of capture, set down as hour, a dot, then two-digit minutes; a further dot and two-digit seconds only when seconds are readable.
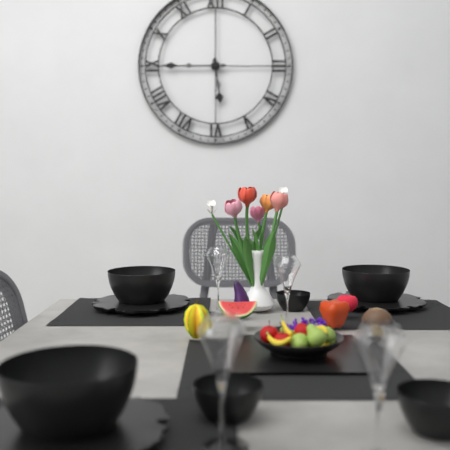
5.45
